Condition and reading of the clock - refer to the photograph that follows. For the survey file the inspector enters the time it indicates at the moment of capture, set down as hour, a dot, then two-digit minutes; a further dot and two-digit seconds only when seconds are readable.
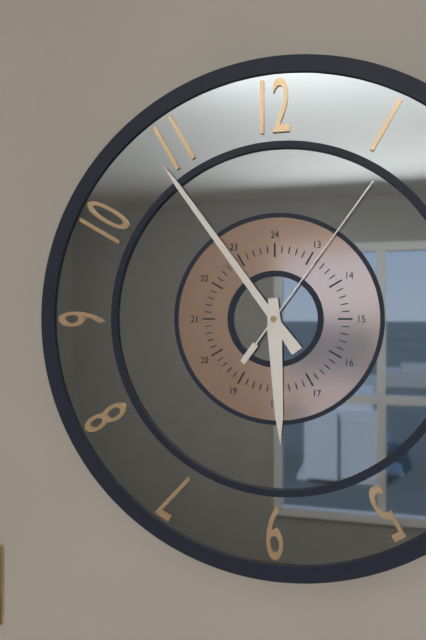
5.54.06
